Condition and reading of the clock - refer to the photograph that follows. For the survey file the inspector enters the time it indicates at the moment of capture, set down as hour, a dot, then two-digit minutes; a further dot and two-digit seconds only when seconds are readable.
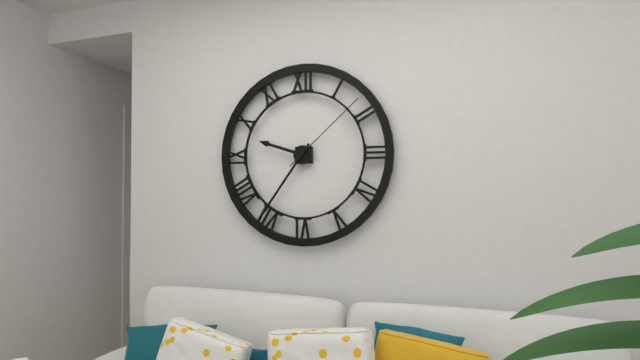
9.36.08
